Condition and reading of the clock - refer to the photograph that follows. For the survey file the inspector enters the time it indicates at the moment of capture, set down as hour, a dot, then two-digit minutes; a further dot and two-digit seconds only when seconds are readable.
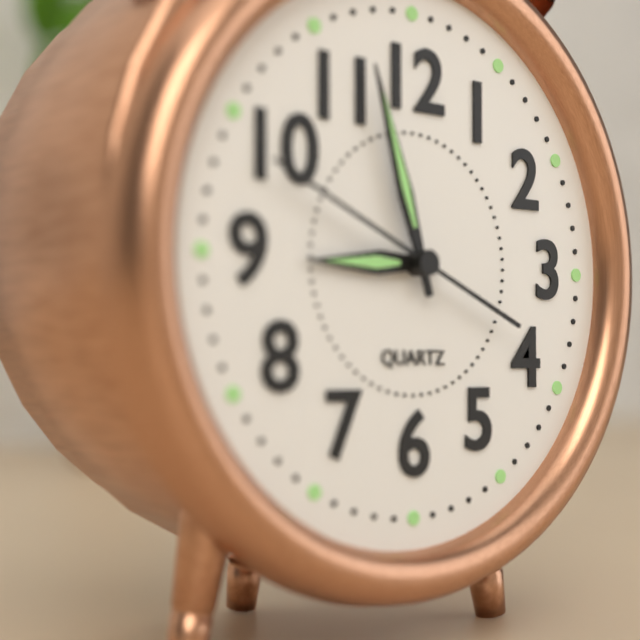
8.57.49
